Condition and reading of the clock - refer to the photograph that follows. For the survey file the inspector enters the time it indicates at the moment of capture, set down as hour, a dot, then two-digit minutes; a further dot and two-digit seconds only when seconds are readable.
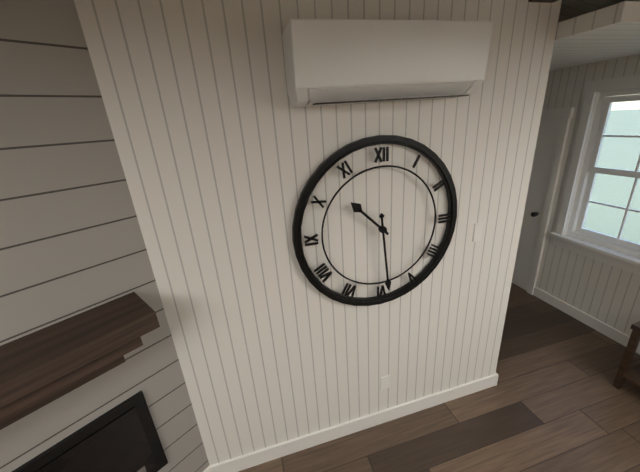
10.29
